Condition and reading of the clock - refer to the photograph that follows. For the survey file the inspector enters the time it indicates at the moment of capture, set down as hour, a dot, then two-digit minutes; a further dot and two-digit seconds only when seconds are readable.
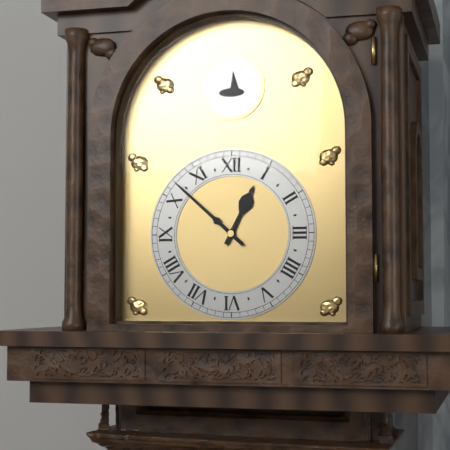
12.52
